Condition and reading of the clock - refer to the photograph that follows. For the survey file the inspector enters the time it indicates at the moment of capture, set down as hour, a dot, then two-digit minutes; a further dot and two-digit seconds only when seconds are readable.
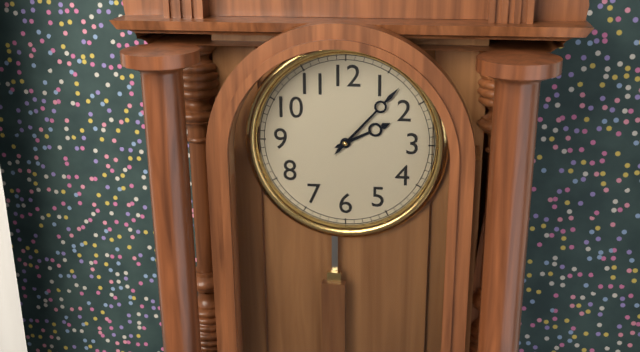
2.07
